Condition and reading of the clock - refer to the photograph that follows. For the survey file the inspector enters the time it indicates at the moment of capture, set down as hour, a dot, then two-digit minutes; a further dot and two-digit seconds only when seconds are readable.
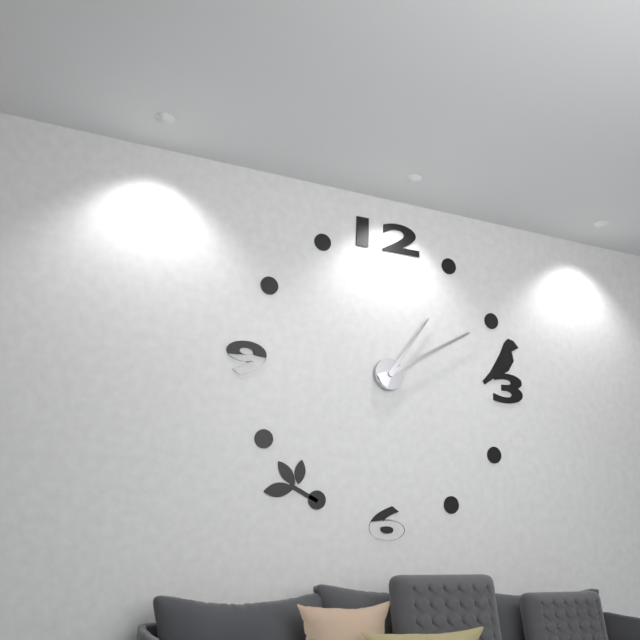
1.10
